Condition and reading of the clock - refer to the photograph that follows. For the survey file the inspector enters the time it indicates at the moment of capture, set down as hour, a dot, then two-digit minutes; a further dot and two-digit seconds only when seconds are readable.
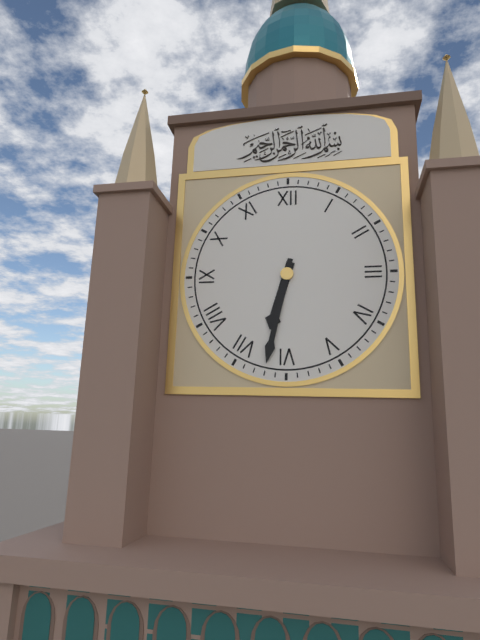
6.32
